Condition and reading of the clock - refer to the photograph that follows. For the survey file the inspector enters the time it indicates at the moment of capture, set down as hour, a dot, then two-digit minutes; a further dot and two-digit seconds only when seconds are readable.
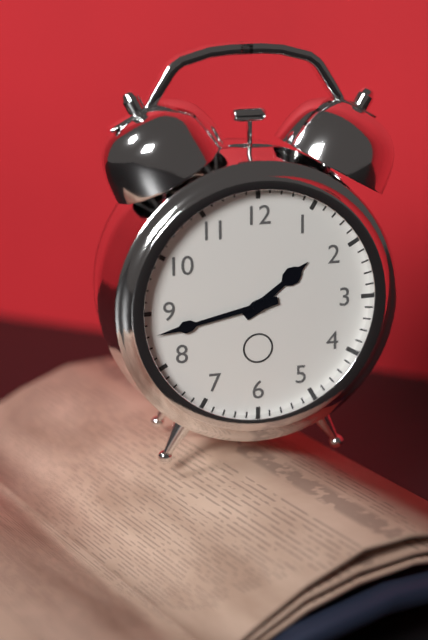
1.43
